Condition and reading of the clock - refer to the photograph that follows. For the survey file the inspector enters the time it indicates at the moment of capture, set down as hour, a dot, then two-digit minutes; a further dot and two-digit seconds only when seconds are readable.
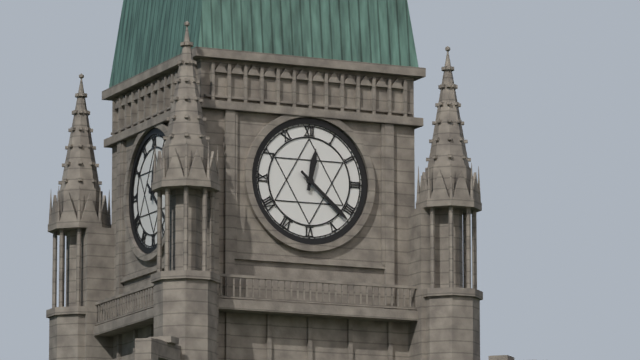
12.22
